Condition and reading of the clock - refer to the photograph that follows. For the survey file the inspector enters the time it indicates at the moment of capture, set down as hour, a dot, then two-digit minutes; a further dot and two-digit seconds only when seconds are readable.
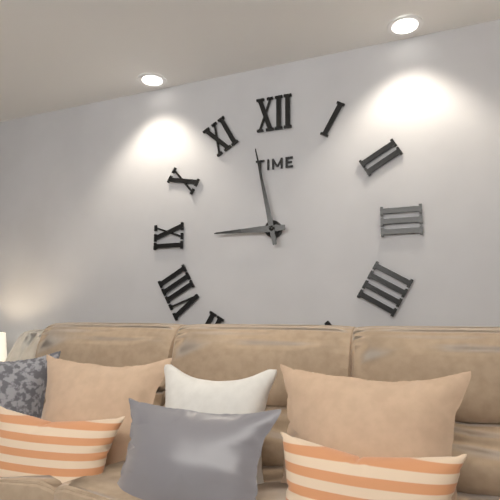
8.58
